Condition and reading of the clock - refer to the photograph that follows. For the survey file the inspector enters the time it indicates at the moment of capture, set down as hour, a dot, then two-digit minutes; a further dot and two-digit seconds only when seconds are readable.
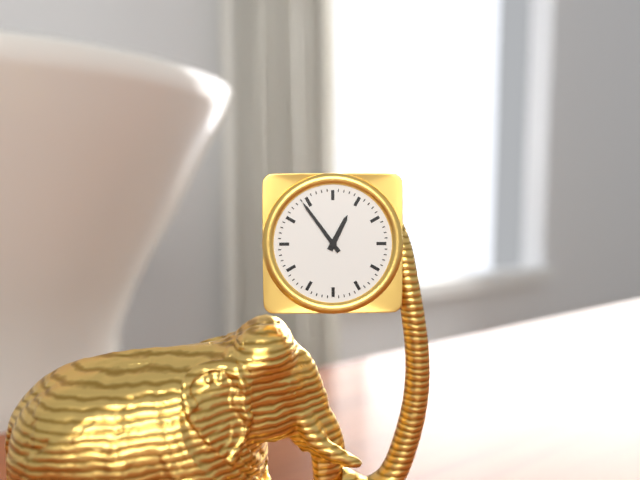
12.54
